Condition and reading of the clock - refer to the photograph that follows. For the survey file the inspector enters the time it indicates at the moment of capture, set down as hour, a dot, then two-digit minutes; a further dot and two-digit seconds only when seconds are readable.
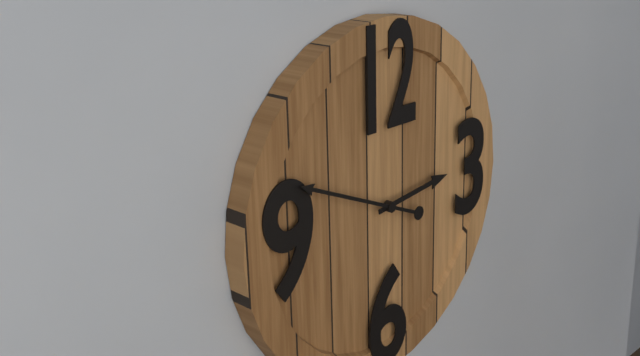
2.49
